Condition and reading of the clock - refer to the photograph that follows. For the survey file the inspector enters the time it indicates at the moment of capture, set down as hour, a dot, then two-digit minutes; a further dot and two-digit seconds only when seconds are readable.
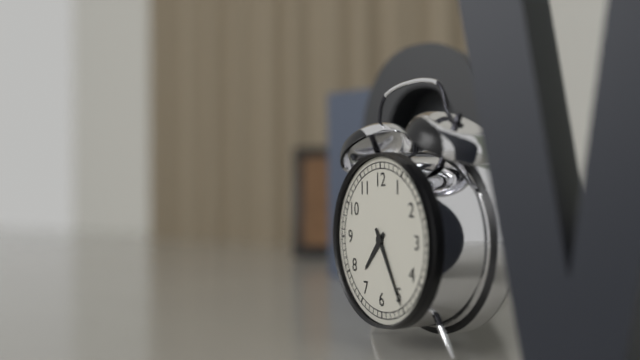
7.25
